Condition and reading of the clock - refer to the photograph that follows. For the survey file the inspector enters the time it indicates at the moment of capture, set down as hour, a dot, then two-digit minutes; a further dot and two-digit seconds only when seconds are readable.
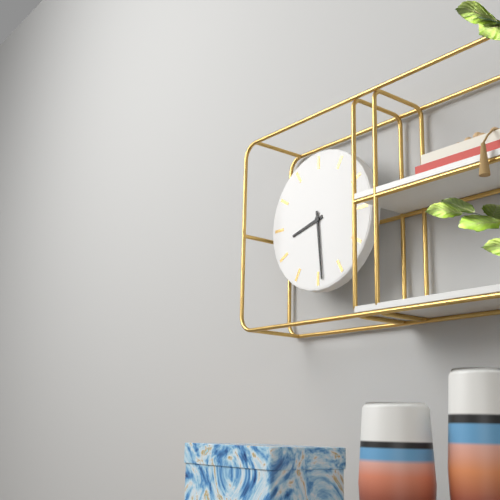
8.29
